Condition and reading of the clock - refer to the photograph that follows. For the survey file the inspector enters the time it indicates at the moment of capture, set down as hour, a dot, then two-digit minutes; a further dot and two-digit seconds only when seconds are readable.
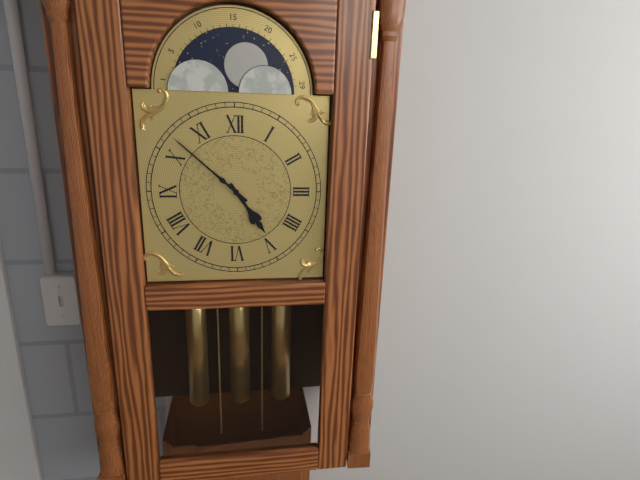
4.52
